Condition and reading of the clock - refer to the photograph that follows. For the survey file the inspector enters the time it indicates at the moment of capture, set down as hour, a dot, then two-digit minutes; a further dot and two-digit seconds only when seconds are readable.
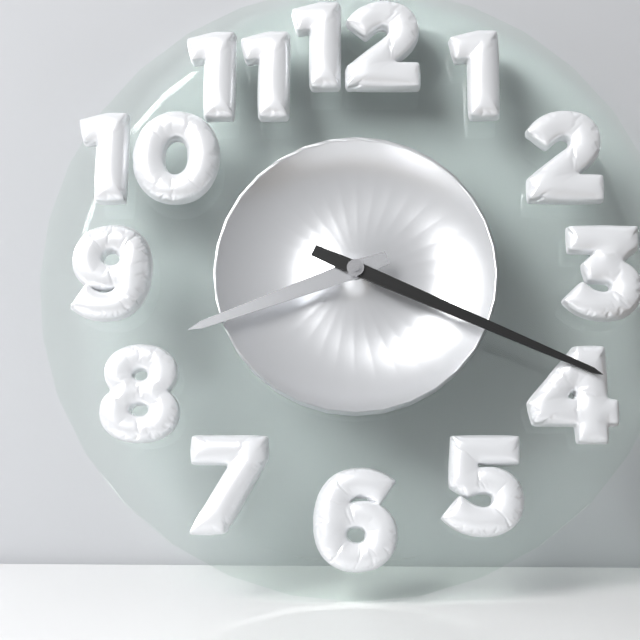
8.19
